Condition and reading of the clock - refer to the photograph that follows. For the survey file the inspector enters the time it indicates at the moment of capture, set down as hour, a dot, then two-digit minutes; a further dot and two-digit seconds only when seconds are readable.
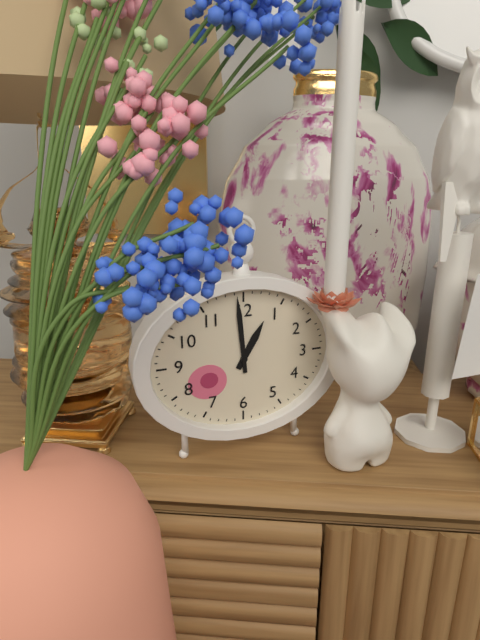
12.59
